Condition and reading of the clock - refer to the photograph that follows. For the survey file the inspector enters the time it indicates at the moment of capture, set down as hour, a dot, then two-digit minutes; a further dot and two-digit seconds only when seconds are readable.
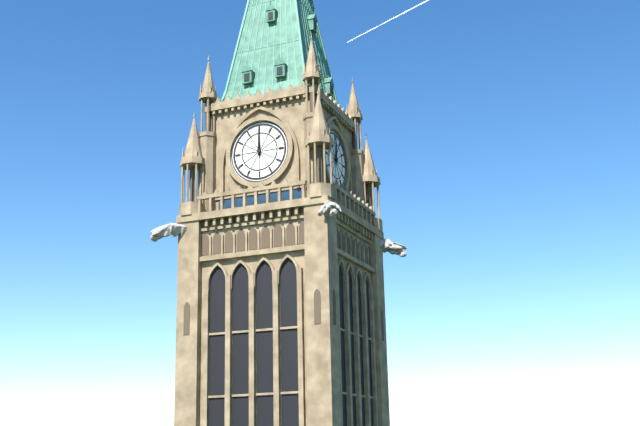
12.00
